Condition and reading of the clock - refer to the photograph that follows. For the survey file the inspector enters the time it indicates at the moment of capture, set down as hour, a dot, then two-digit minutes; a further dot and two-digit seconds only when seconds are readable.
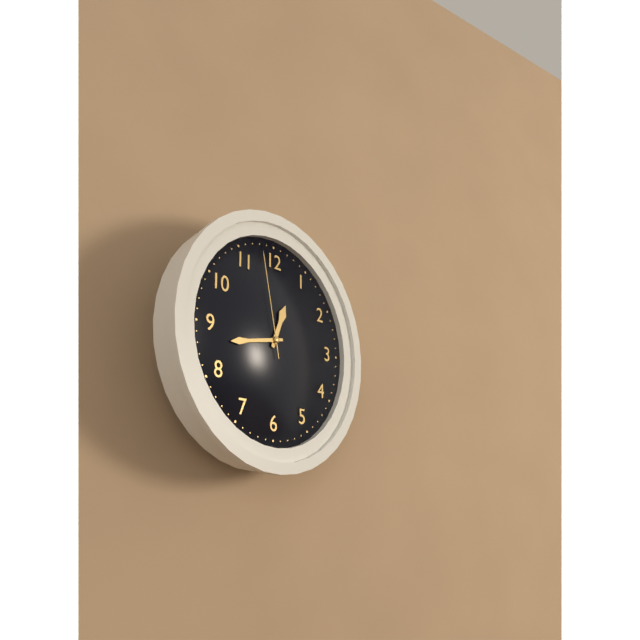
12.43.58
